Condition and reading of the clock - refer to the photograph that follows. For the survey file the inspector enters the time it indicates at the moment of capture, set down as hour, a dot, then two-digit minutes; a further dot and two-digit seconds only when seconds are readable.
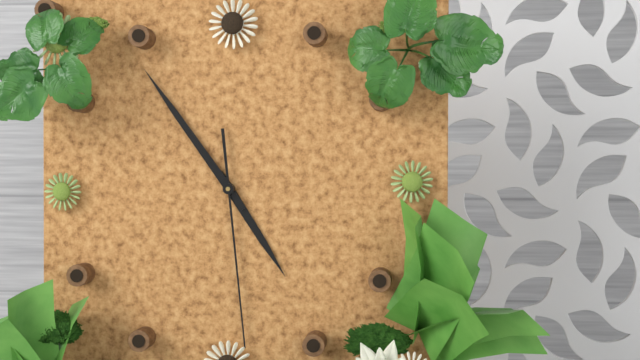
4.54.29
